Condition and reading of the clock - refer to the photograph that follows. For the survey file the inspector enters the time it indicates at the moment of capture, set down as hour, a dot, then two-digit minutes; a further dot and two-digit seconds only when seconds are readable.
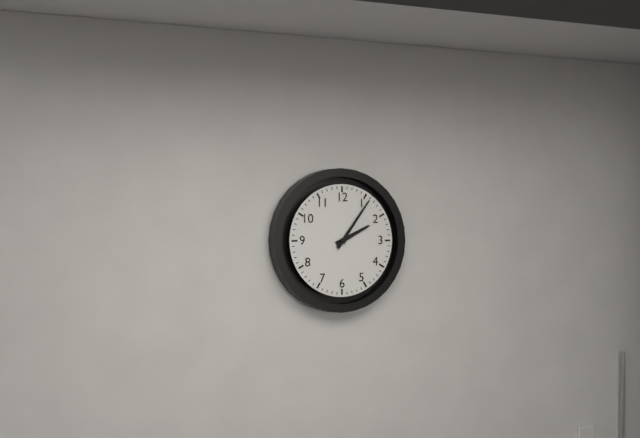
2.06
